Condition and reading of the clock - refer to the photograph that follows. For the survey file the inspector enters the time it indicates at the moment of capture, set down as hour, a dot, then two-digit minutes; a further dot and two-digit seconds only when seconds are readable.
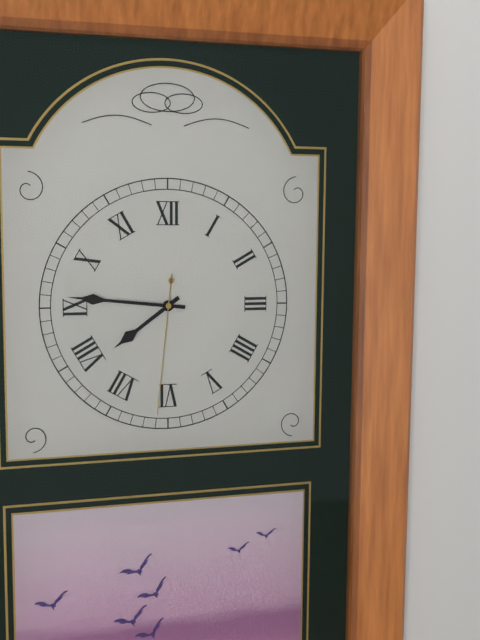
7.46.31
